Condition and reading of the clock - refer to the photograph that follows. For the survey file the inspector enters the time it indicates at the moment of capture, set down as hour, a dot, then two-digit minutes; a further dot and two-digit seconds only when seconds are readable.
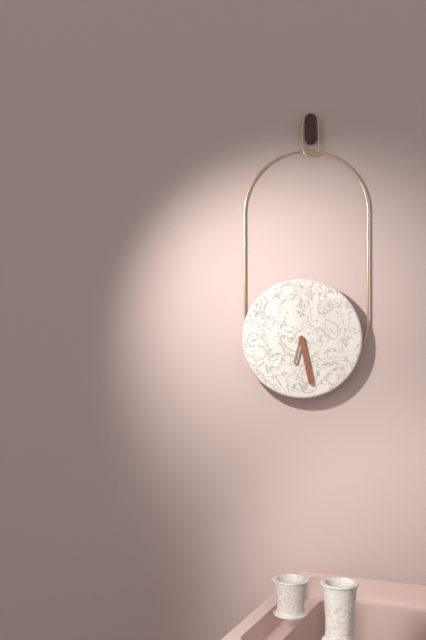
6.28
